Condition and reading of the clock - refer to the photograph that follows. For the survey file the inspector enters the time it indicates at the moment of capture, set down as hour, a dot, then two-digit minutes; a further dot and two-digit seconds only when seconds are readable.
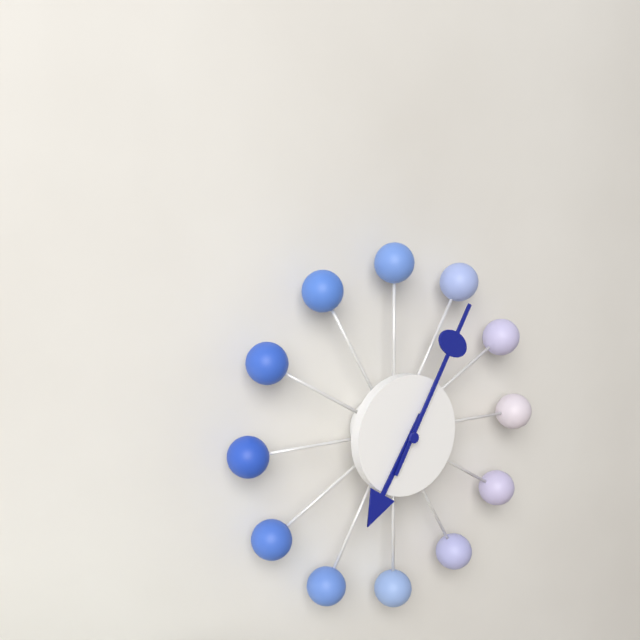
7.05
